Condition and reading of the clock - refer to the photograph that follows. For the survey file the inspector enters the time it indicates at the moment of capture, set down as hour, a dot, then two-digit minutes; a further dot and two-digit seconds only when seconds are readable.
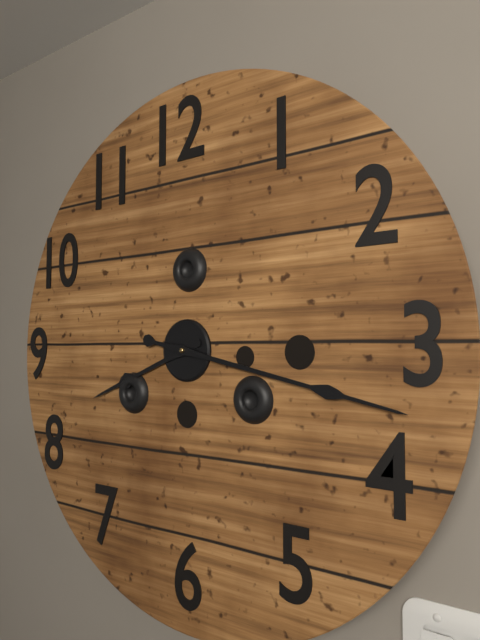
8.17
